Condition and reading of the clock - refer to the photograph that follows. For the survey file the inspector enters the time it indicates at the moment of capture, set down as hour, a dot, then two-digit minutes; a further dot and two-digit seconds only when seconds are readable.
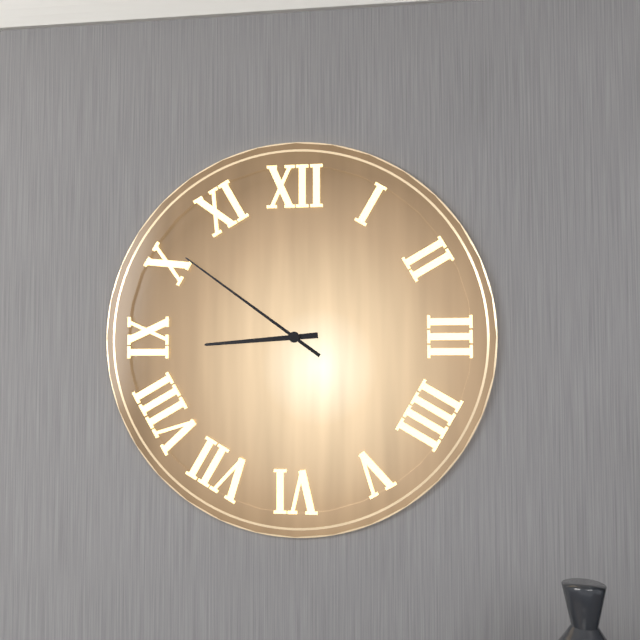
8.51
